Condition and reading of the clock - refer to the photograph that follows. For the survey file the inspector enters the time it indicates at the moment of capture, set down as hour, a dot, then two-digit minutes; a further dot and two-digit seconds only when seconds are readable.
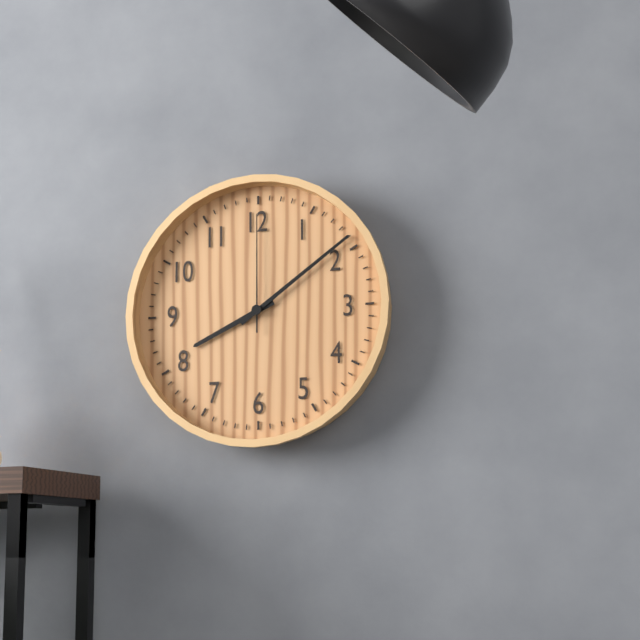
8.09.00
